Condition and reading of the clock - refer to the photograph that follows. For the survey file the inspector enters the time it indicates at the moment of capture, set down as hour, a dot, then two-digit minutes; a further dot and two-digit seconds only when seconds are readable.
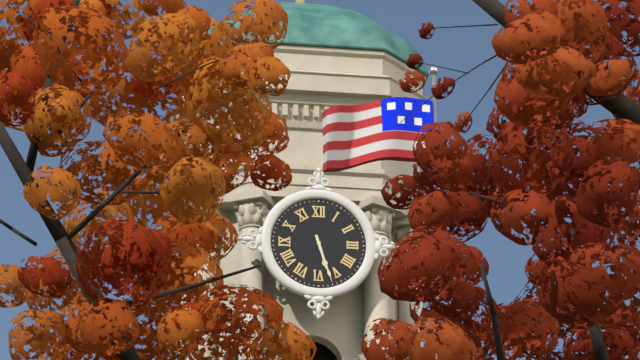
5.27
